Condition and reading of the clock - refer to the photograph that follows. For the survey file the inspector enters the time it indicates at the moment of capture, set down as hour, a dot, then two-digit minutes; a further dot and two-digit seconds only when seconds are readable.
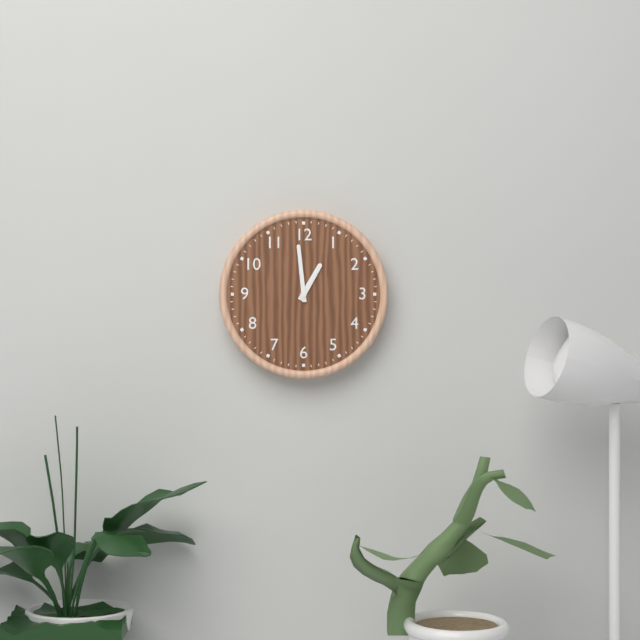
12.59
